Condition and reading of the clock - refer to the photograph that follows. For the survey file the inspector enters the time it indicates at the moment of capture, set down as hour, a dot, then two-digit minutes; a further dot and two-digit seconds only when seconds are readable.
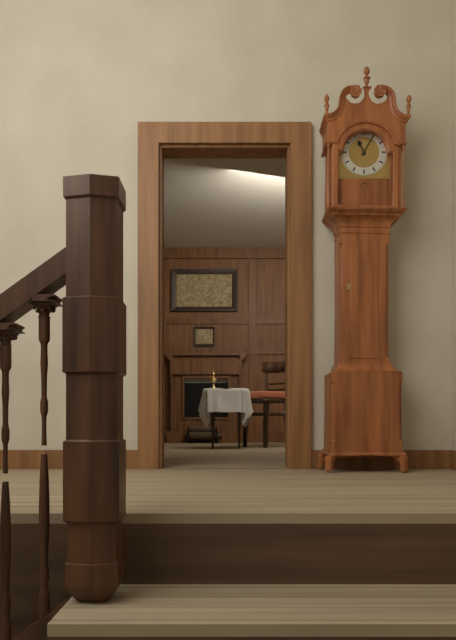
11.05
